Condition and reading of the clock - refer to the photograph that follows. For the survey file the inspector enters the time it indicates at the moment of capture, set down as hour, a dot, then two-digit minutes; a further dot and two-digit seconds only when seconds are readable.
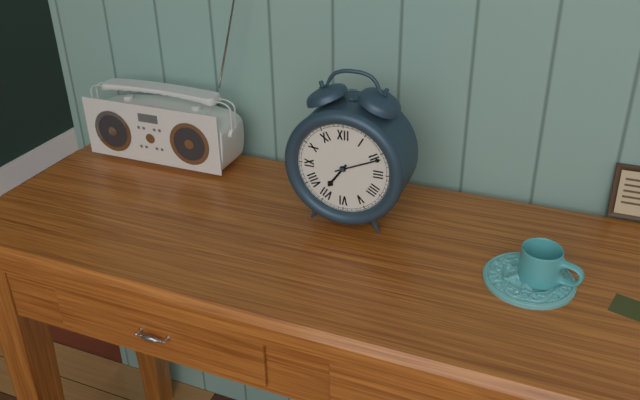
7.11
